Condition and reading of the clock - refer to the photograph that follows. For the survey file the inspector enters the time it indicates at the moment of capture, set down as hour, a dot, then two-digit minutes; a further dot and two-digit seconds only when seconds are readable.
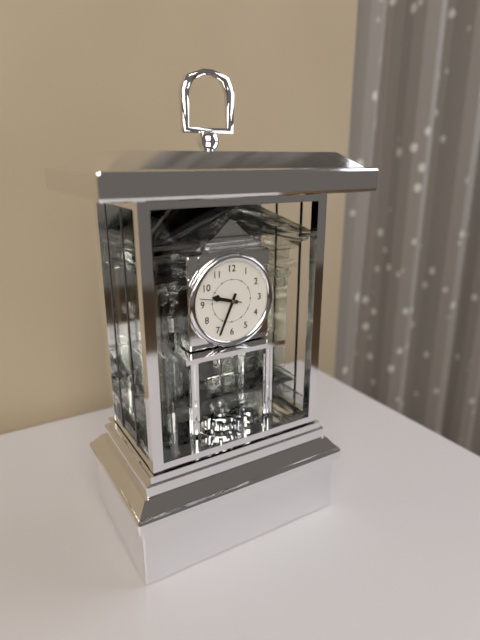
9.34
